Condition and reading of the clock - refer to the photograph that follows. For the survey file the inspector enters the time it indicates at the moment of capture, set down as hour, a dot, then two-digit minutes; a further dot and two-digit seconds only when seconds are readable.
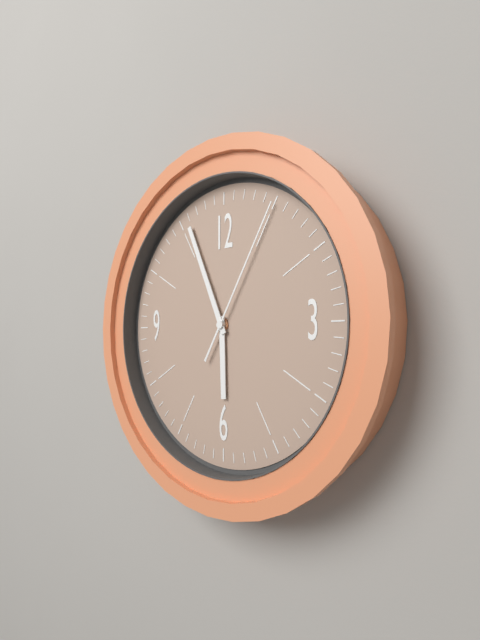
5.56.05
